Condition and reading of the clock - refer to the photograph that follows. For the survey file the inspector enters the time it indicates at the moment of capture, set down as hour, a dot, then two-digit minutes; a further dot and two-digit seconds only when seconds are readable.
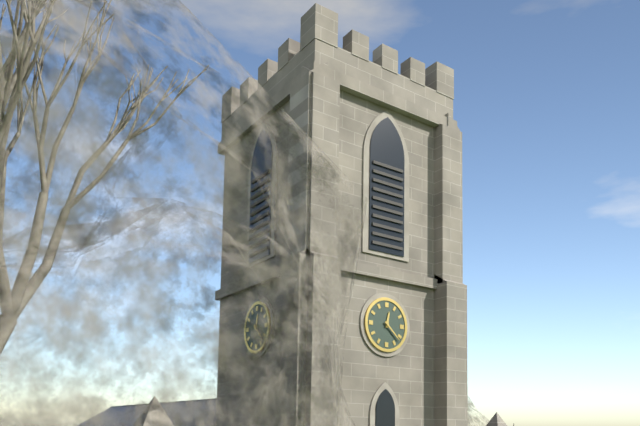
12.22
